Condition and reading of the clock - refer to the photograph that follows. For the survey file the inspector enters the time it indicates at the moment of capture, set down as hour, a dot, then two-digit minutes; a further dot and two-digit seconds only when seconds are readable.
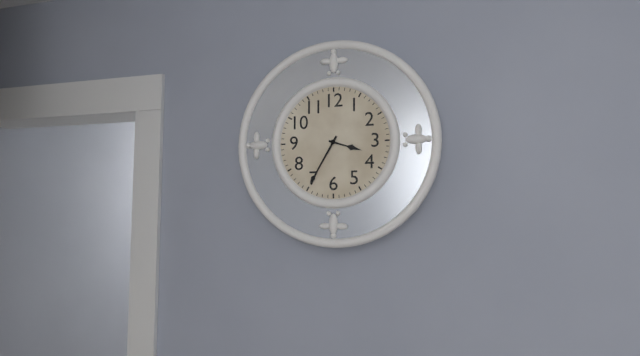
3.35
